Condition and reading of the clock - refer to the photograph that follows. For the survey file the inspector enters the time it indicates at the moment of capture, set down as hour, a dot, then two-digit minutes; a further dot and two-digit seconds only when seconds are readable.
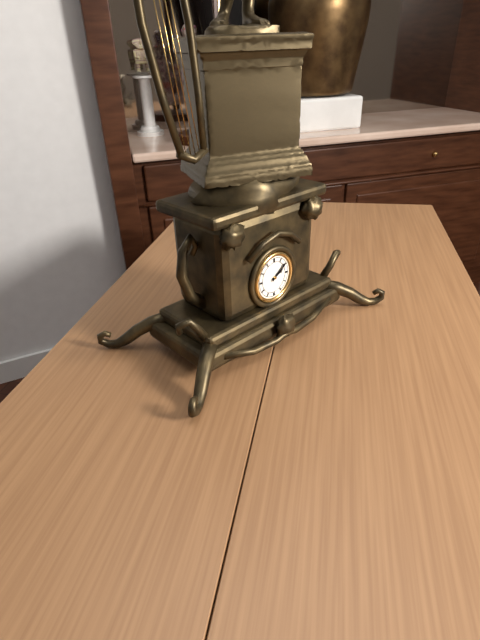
2.09
